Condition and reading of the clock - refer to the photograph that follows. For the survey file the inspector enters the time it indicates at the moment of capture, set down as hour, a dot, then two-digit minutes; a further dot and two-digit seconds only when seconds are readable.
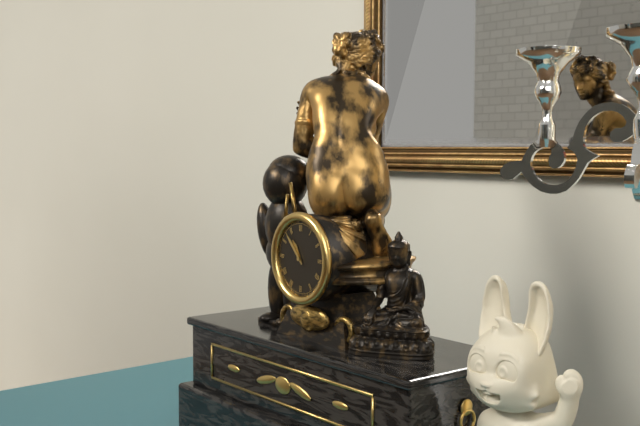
10.53
